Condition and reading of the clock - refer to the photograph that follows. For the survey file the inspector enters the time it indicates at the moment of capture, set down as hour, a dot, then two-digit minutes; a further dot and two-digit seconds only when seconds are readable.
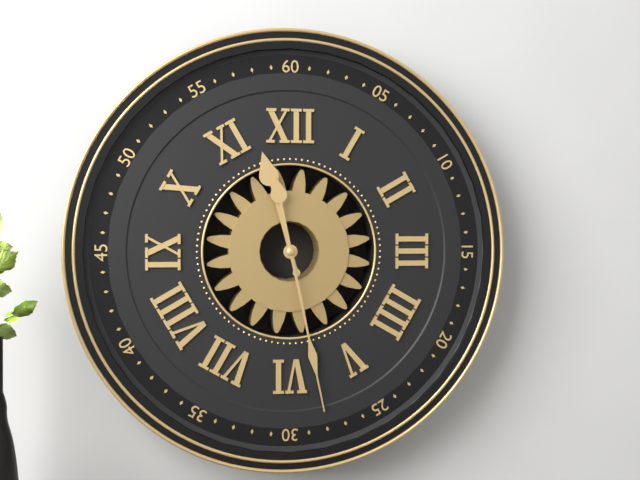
11.28
